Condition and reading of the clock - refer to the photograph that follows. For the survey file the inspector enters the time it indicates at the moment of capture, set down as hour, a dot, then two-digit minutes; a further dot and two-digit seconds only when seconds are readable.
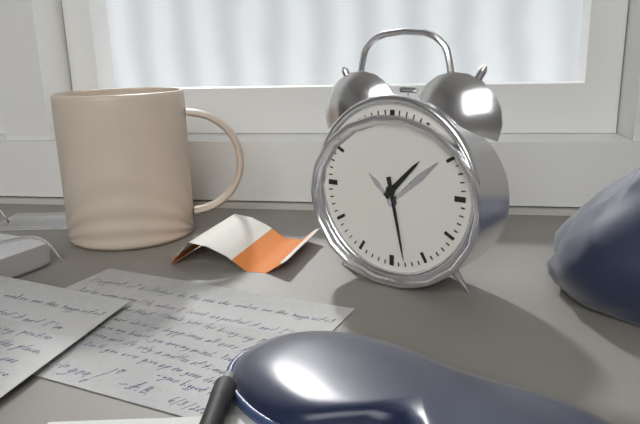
1.28
